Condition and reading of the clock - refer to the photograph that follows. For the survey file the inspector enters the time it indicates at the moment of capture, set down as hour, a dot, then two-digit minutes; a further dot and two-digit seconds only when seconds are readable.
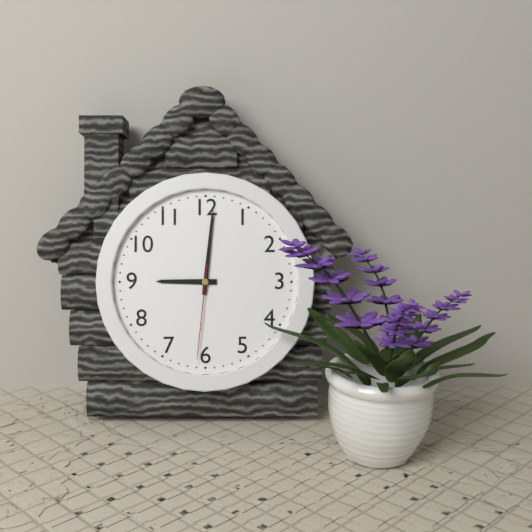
9.01.31
